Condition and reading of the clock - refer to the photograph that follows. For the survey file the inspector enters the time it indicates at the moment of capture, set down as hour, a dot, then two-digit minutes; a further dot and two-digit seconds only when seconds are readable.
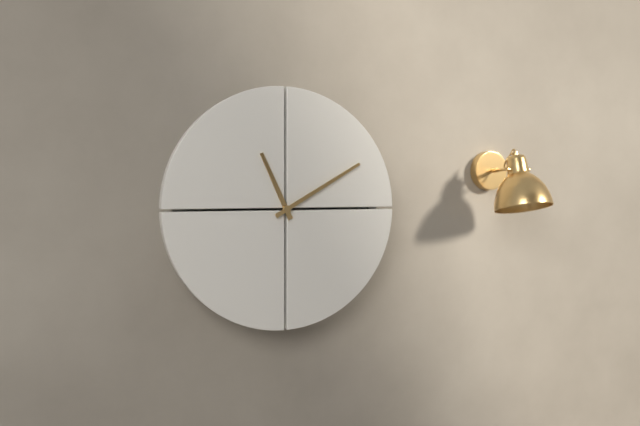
11.10
